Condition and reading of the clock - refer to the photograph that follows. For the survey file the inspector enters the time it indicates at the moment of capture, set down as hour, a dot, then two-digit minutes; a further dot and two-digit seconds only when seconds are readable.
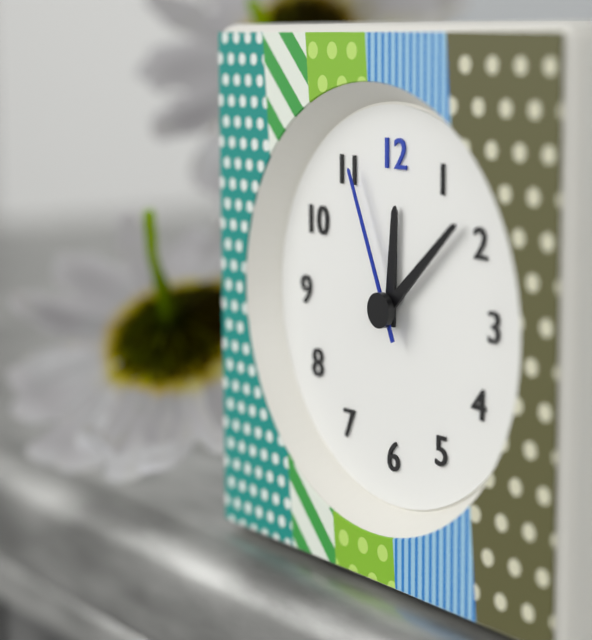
12.08.56
